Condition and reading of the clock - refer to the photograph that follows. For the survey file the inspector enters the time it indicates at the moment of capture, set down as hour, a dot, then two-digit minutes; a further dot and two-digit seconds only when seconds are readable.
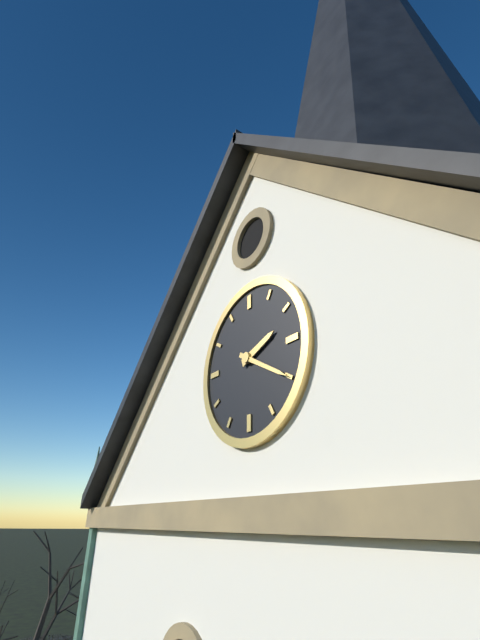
2.20
